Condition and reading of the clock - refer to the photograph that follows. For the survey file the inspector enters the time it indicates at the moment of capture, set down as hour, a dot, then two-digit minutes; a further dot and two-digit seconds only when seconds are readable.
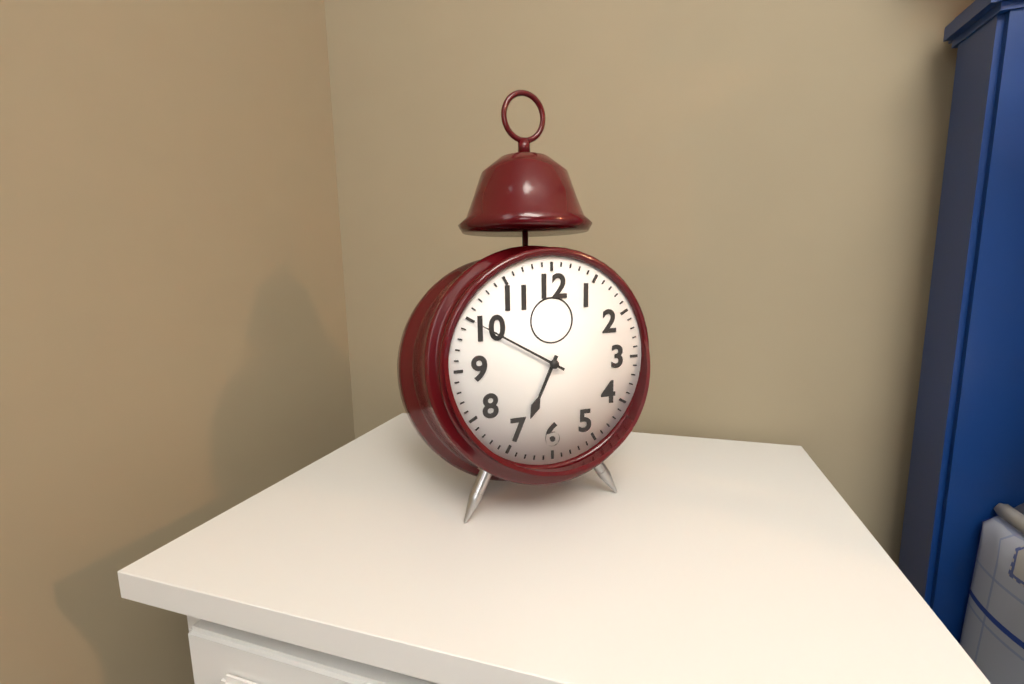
6.50
